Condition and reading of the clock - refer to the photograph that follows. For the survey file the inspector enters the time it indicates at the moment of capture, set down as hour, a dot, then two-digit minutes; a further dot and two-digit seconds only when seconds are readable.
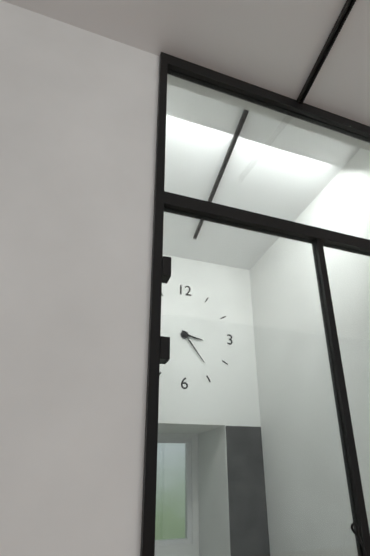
3.24
